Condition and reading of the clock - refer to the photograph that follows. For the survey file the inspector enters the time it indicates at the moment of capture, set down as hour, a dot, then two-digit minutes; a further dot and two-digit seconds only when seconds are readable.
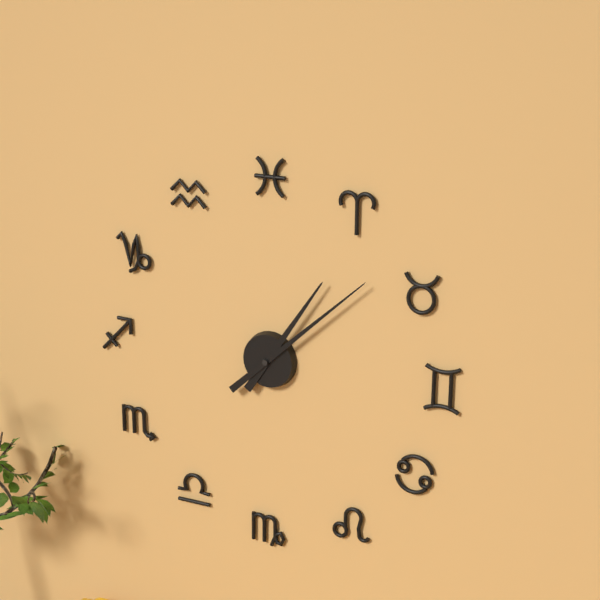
1.08
